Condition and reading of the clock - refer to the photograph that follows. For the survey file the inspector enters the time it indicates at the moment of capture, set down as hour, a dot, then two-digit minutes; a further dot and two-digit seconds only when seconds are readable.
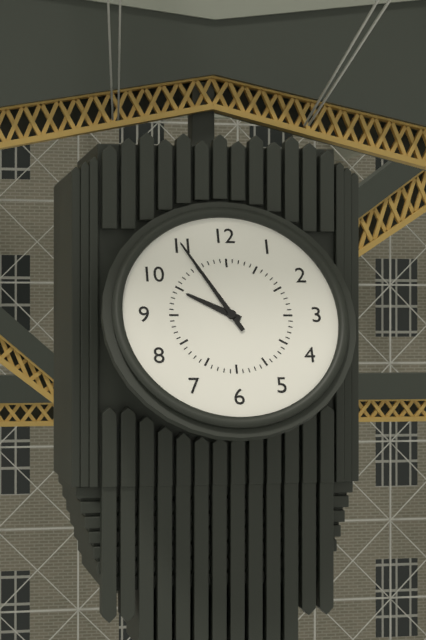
9.55
